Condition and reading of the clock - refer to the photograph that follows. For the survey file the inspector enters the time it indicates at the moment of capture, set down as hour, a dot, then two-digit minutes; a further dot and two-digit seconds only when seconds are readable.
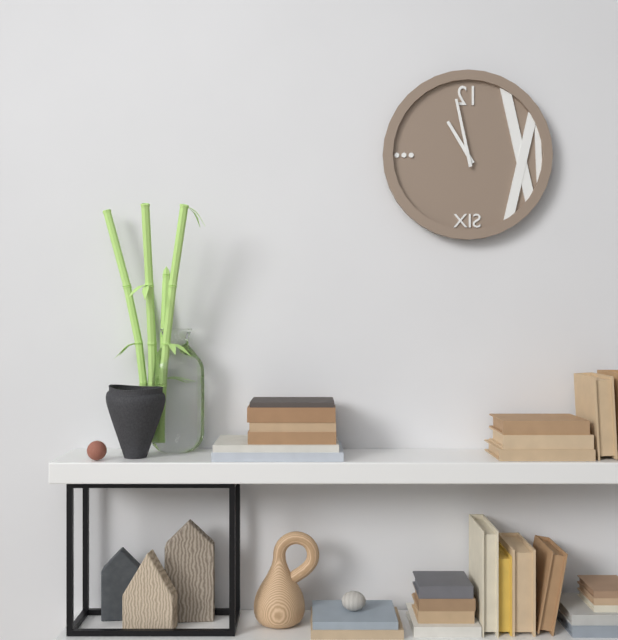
10.58
